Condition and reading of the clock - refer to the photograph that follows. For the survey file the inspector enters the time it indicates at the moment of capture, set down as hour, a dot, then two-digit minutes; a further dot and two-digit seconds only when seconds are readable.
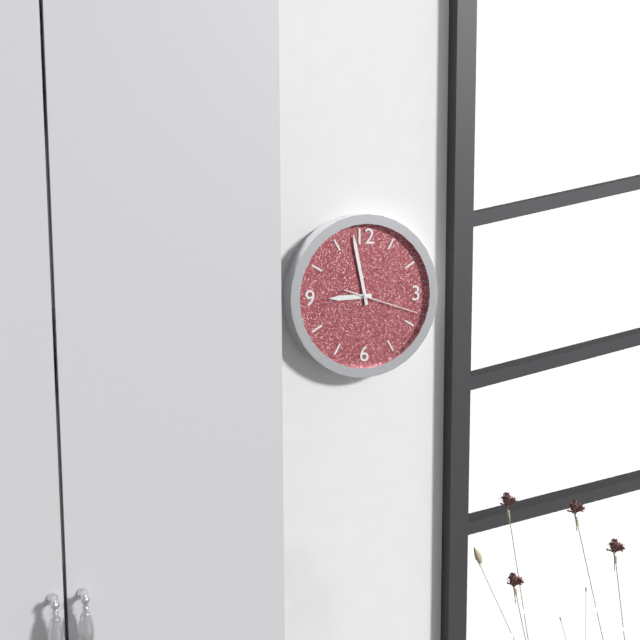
8.58.18
